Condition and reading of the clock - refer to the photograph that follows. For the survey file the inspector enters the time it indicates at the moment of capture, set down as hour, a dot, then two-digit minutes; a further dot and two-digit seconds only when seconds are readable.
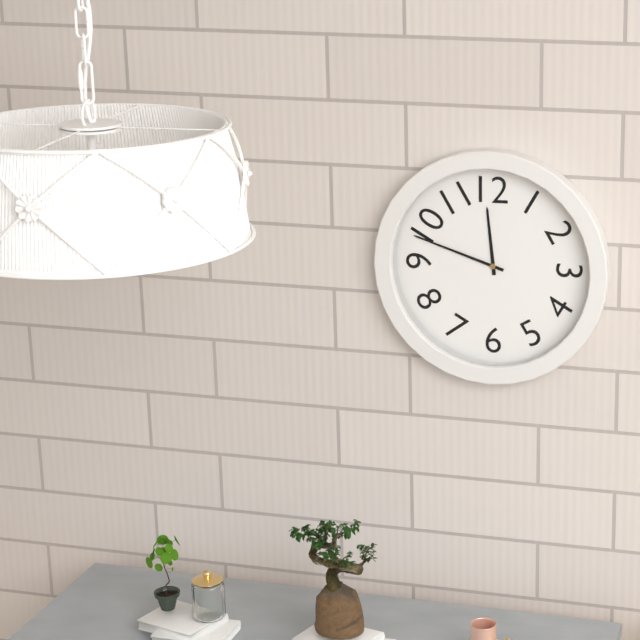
11.48
